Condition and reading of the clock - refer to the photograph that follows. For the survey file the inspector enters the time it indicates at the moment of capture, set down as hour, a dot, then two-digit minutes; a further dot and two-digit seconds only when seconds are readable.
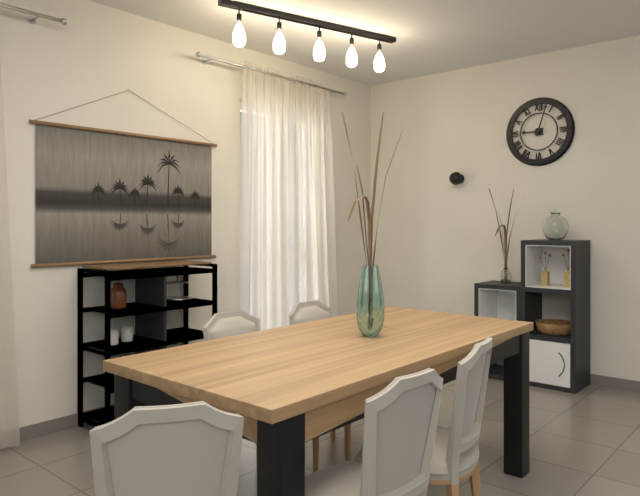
9.03
